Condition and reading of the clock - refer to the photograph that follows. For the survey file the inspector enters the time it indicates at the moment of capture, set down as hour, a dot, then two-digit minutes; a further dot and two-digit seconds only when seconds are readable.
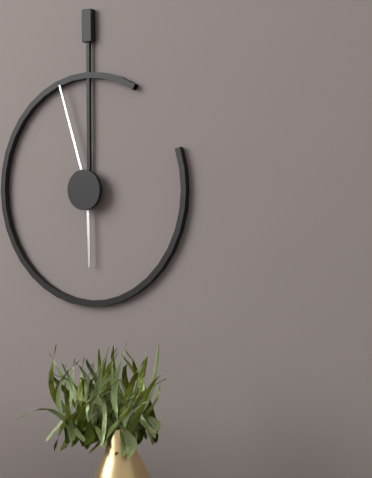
5.57
